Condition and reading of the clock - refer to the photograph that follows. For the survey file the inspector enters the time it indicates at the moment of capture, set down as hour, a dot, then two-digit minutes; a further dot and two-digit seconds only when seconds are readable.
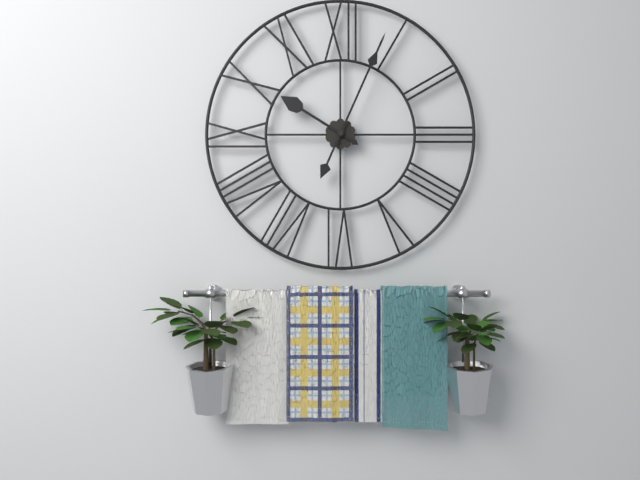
10.04
